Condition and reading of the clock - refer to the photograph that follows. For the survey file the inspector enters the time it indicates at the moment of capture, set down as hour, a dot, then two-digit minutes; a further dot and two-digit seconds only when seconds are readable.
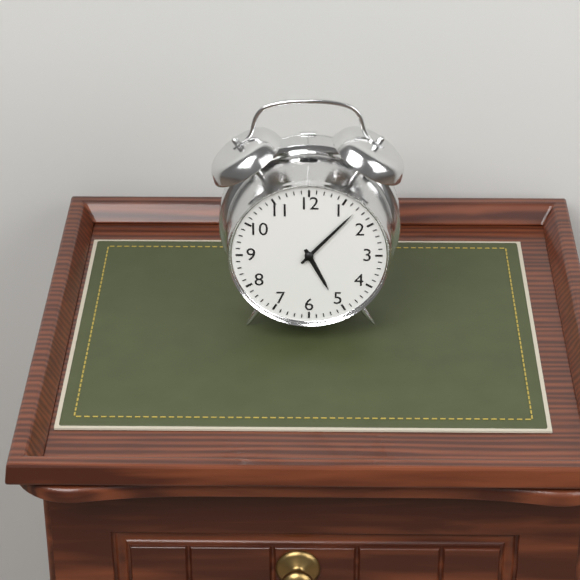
5.07
